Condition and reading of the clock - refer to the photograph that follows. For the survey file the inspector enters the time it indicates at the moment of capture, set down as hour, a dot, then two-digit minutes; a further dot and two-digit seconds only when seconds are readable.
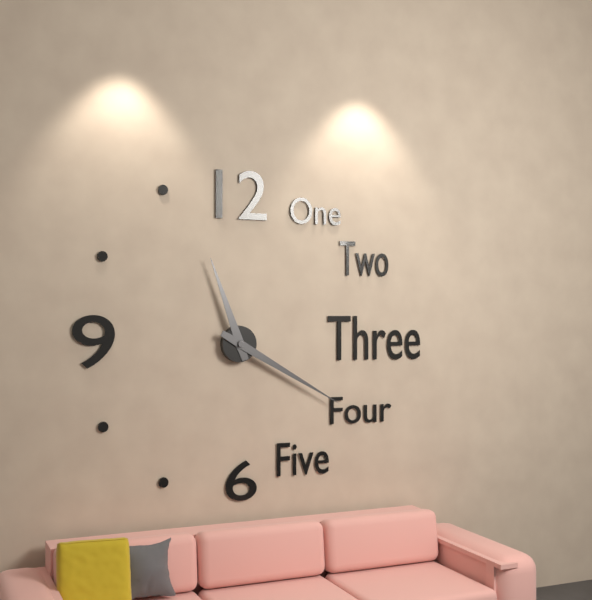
11.20
